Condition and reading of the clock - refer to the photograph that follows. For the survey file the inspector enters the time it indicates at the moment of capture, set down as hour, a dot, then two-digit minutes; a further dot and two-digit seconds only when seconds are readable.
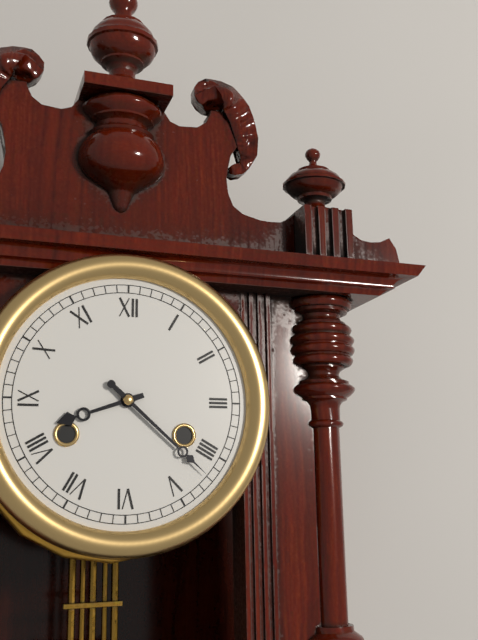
8.22
